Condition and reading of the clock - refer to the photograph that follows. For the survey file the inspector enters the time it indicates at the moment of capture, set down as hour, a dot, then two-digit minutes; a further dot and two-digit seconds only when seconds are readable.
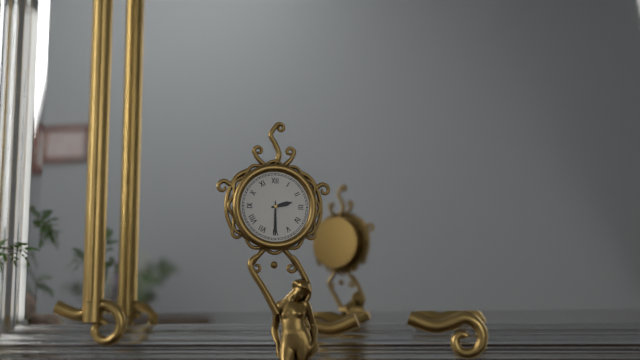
2.30
